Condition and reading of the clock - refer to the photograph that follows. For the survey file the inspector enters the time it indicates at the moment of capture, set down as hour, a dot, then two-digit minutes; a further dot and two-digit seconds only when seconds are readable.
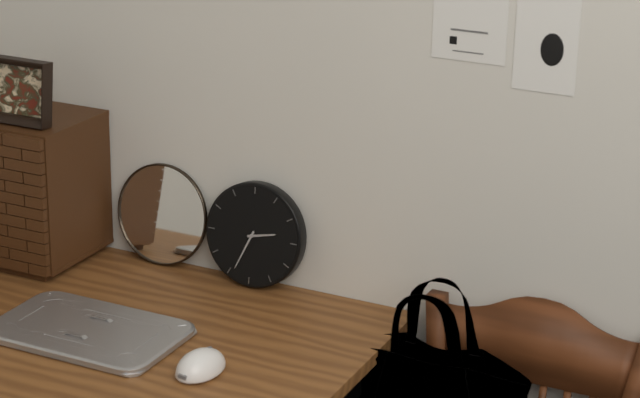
2.34
